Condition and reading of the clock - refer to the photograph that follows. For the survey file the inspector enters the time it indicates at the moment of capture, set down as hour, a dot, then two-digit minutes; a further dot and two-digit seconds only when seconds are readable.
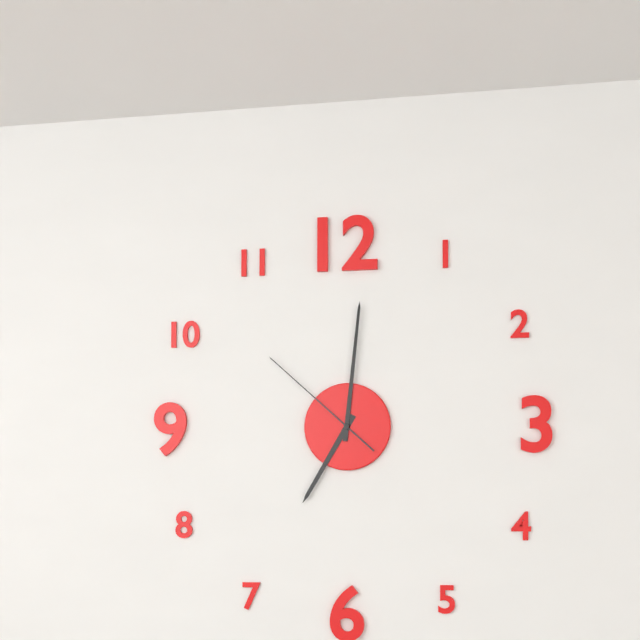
7.01.52
